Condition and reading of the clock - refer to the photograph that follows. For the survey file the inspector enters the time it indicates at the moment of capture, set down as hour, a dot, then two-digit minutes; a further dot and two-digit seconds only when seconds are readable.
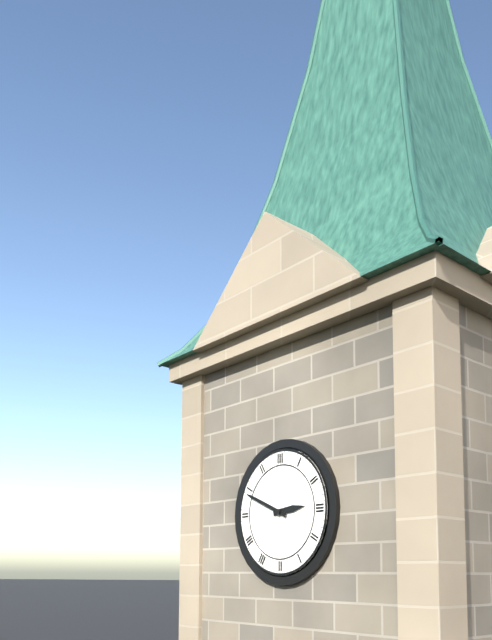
2.49
